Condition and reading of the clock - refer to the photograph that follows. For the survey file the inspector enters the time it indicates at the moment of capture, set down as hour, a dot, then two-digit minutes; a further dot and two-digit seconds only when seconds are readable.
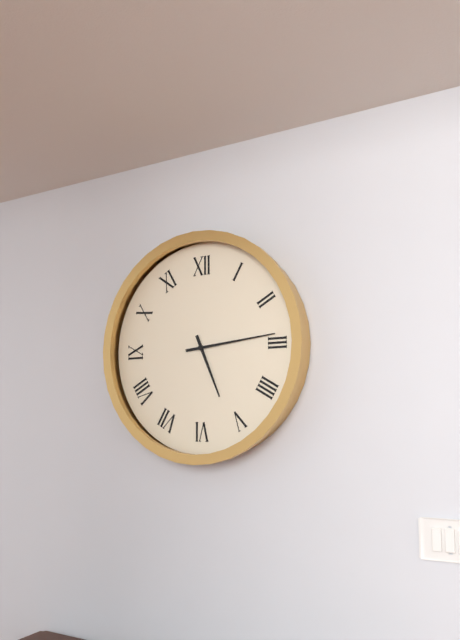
5.14
